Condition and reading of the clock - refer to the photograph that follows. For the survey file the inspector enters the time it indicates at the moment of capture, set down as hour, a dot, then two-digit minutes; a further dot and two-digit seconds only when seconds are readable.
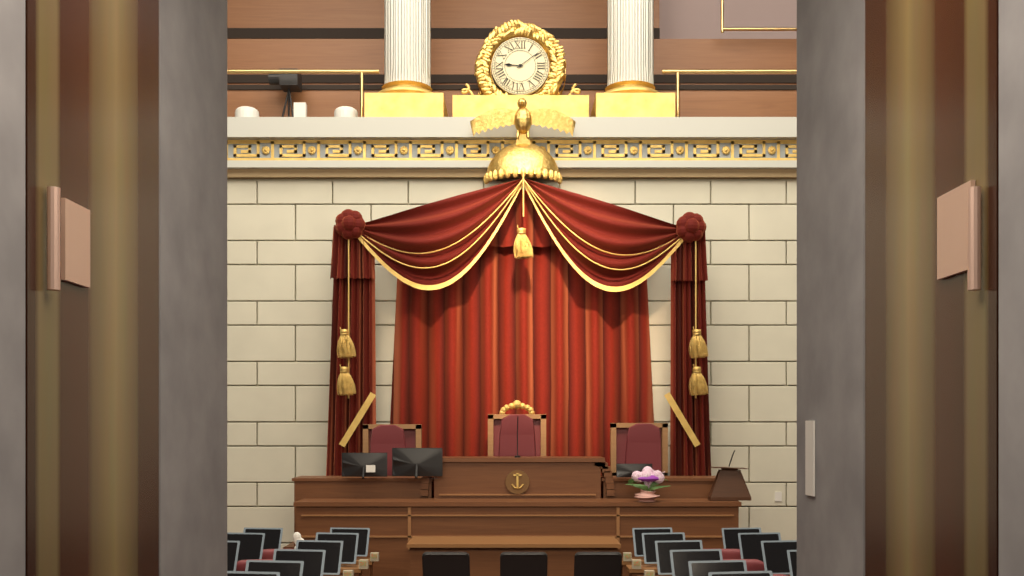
9.09
